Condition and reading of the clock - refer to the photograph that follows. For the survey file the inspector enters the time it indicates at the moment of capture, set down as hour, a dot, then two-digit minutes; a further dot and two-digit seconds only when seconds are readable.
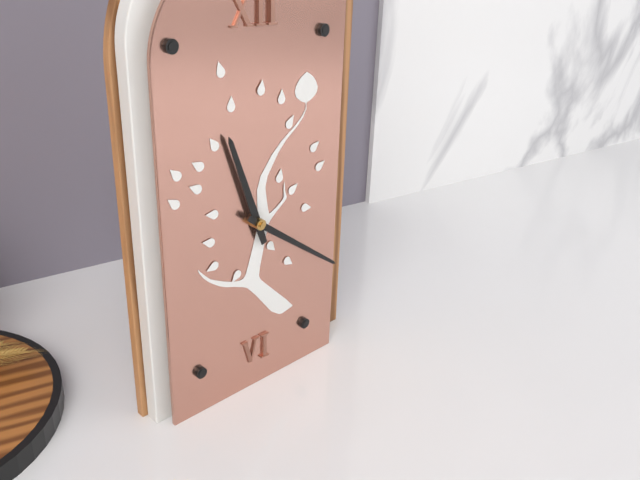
11.21
